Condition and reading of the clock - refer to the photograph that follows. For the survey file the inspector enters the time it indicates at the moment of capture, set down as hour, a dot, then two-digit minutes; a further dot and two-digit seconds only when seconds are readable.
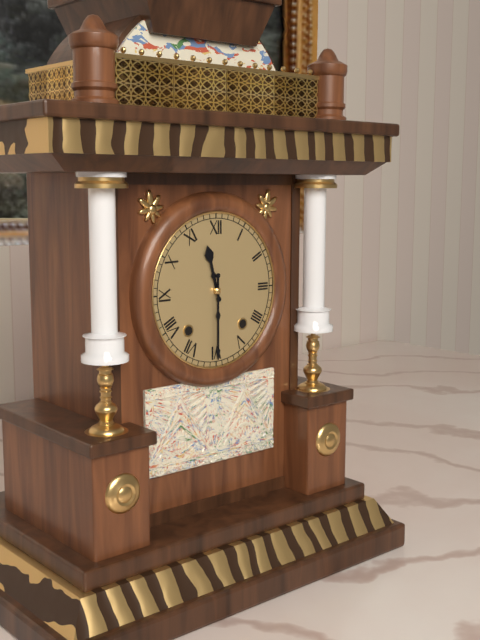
11.30
